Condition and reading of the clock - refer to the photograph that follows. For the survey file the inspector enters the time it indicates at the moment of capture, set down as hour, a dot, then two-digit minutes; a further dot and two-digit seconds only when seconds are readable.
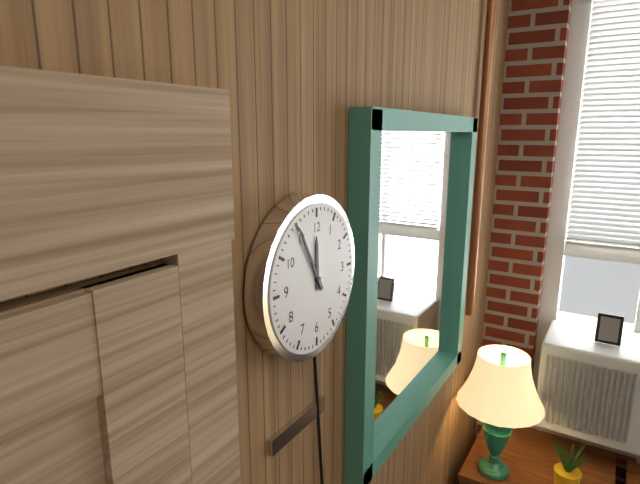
11.55
